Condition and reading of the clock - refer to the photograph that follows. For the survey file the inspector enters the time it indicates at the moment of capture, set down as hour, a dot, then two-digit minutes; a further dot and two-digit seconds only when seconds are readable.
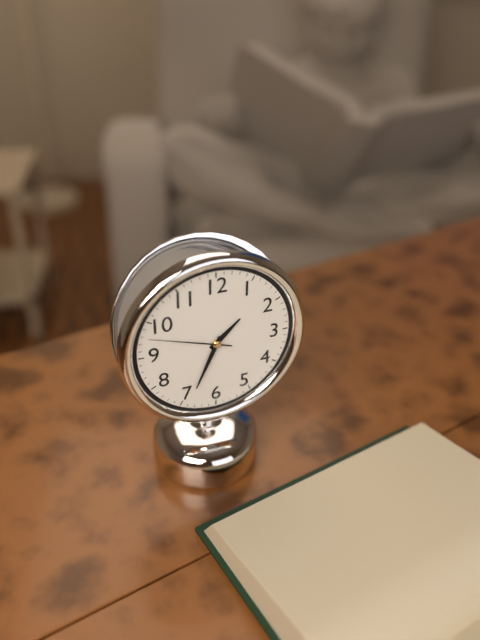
1.34.48
